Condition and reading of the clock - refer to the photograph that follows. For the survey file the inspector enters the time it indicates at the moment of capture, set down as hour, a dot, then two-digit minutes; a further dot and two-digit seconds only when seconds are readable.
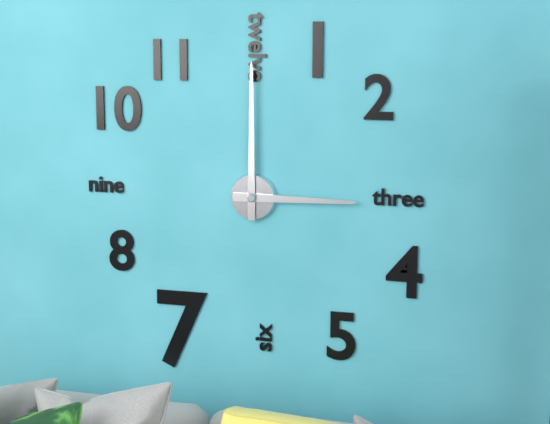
3.00
